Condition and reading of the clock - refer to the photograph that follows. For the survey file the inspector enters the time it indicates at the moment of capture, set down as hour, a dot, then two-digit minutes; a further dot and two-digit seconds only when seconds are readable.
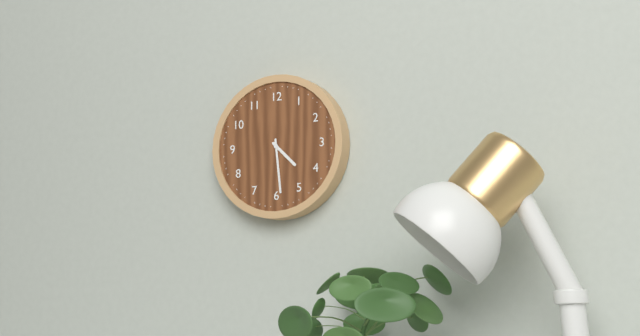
4.29
